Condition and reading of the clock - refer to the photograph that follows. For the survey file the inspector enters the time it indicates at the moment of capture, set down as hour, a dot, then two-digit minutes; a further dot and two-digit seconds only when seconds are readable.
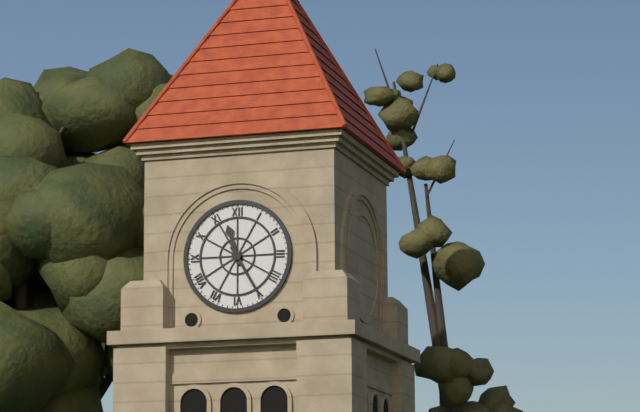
11.25
